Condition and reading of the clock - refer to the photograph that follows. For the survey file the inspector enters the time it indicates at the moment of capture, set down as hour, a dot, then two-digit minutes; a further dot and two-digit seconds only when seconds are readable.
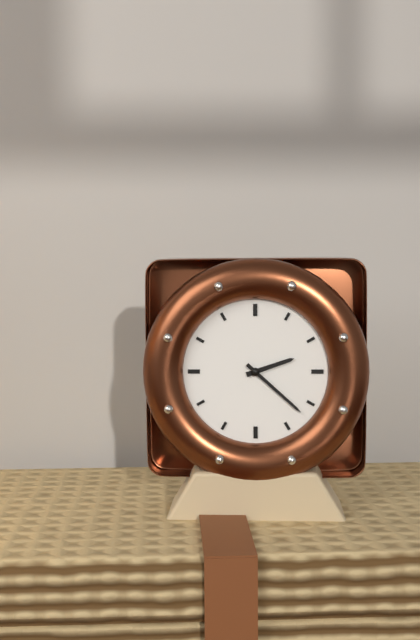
2.22
